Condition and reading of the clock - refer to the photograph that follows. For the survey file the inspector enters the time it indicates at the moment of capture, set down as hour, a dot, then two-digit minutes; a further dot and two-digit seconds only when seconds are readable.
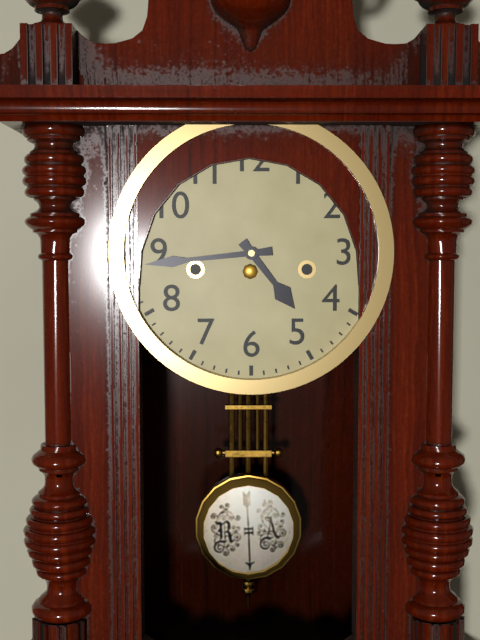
4.44
